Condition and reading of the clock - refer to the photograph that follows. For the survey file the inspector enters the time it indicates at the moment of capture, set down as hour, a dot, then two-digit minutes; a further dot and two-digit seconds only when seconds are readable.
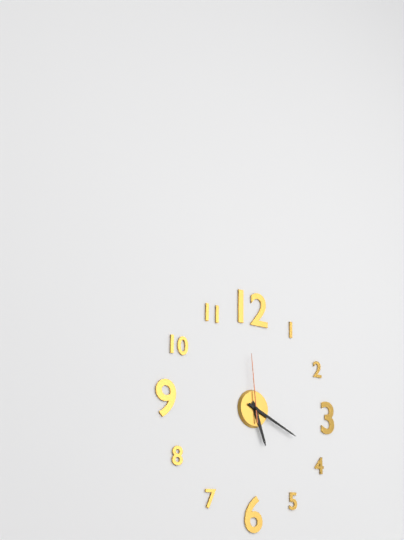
5.19.59
